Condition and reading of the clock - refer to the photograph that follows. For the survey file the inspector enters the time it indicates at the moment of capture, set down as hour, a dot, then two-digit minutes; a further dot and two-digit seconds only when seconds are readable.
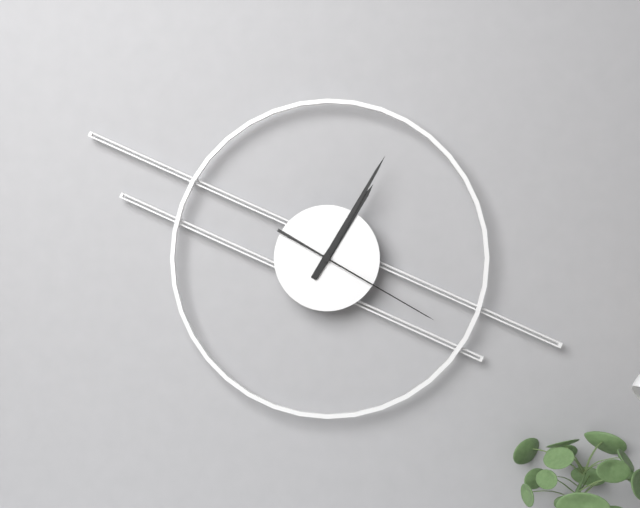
1.05.20
